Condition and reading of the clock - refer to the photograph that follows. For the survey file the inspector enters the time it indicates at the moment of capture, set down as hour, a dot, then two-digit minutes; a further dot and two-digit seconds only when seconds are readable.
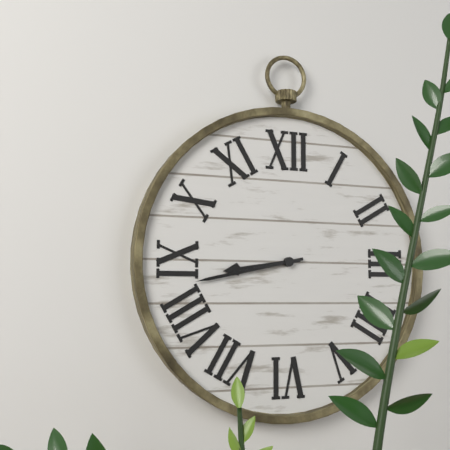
8.43
